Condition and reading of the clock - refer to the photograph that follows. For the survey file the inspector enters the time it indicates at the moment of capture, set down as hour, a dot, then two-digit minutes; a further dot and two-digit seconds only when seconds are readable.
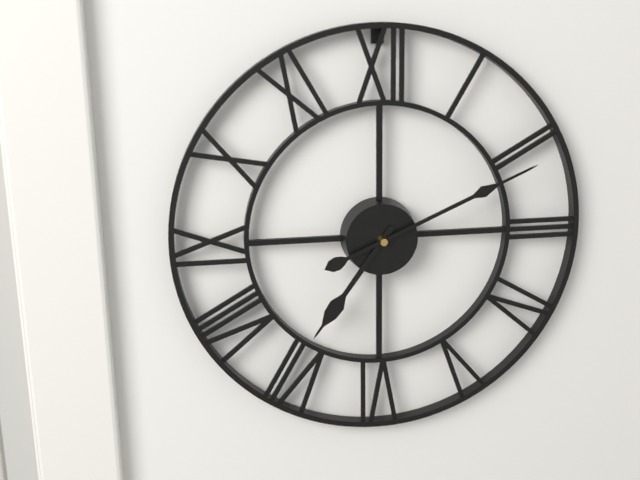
7.11
